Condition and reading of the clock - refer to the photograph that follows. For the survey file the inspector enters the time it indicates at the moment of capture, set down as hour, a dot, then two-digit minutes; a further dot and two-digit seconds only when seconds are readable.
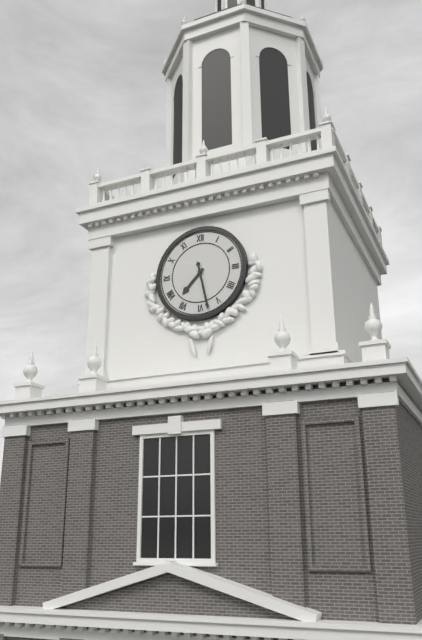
7.28
